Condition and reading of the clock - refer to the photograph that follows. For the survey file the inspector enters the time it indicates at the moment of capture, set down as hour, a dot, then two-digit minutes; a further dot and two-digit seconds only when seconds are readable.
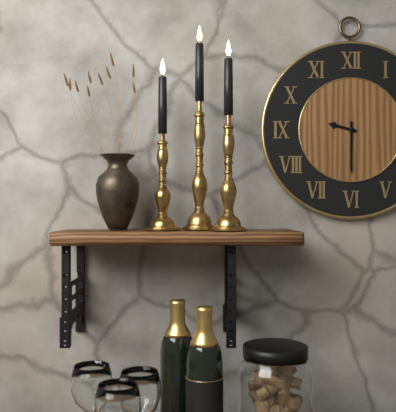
9.30
